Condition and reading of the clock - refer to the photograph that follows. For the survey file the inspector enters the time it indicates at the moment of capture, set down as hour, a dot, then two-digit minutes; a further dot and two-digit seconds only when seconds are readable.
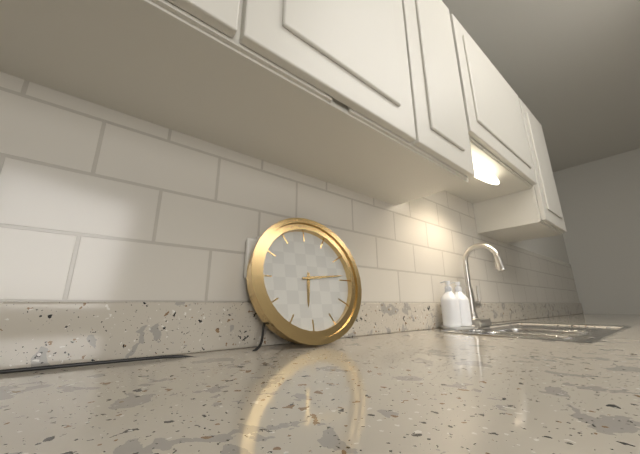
6.14
